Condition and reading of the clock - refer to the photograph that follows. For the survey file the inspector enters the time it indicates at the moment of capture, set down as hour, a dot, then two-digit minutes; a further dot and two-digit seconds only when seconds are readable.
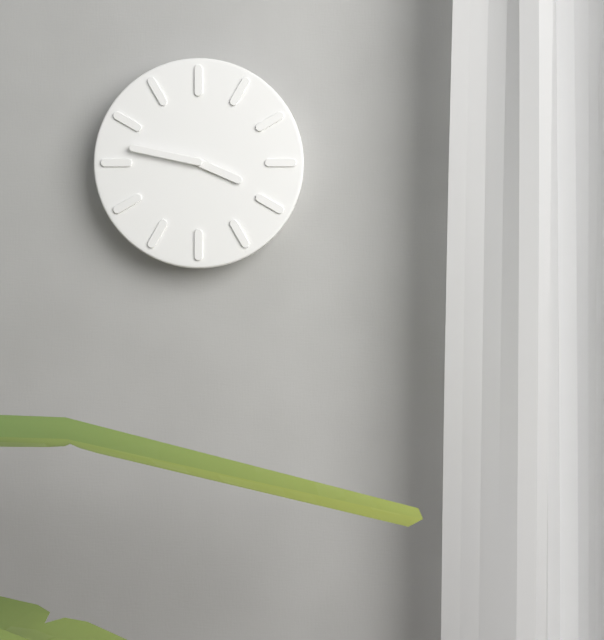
3.47
